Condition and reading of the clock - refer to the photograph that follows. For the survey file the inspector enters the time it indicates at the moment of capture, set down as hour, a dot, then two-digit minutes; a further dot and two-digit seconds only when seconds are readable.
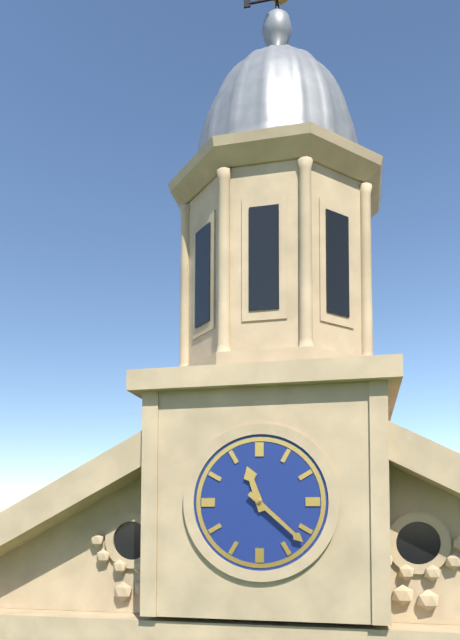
11.22
